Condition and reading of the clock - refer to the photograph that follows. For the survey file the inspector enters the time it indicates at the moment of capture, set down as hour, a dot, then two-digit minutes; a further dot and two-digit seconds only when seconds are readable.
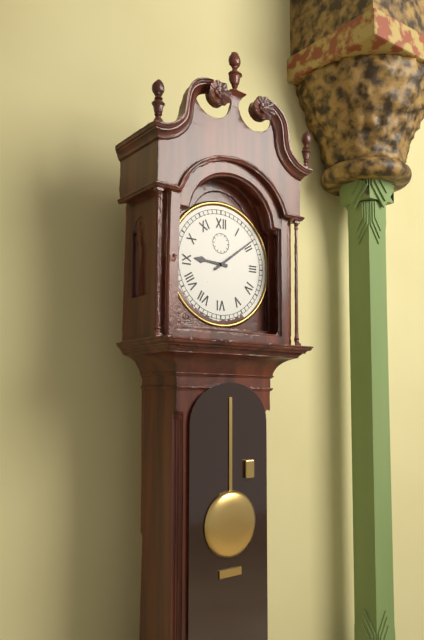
9.09
